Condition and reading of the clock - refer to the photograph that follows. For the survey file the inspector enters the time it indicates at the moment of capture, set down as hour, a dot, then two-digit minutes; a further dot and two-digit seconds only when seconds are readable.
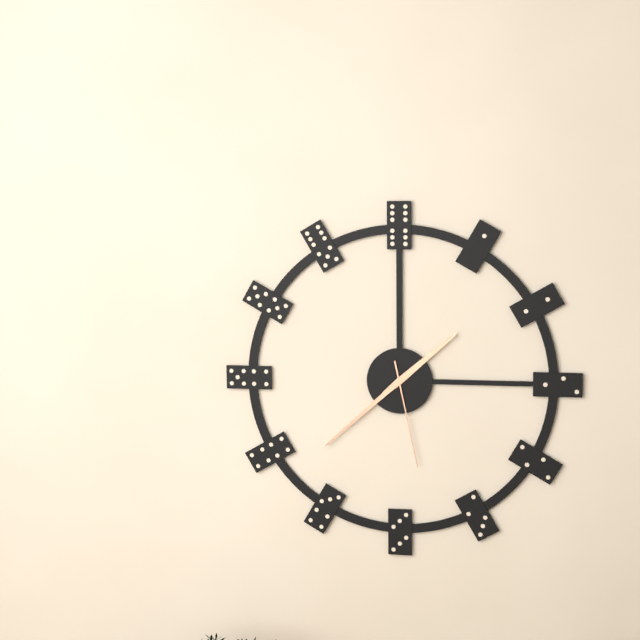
1.38.28
